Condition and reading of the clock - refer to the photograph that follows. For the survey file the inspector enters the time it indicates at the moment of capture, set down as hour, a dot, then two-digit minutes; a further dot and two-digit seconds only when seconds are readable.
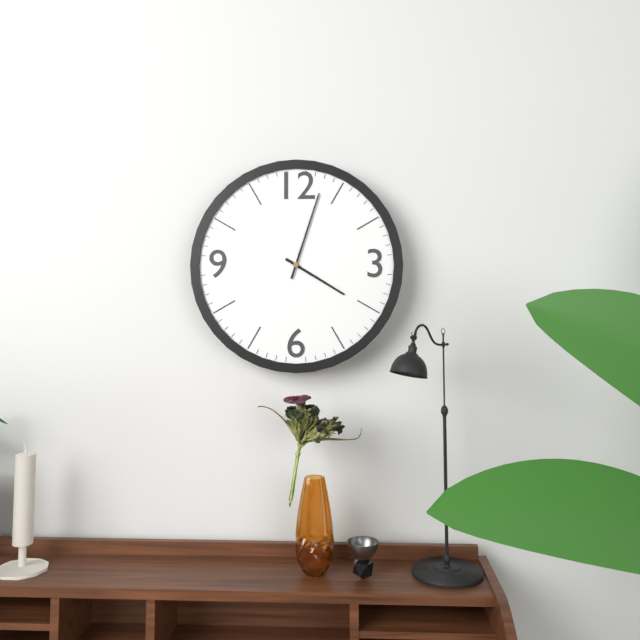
4.03
